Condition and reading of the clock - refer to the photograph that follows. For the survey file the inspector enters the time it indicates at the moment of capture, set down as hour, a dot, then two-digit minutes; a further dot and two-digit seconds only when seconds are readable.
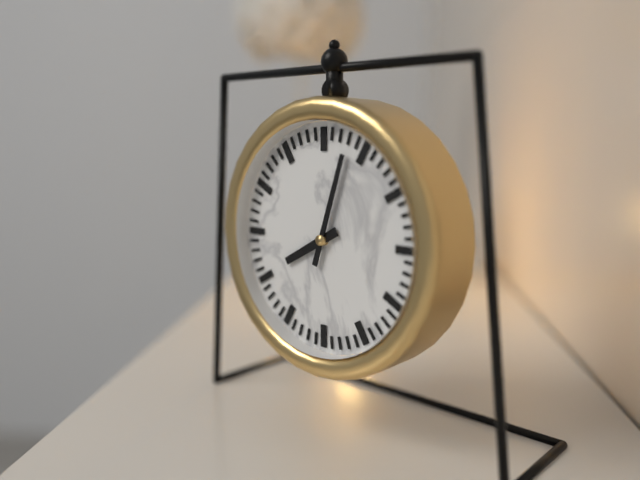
8.03
